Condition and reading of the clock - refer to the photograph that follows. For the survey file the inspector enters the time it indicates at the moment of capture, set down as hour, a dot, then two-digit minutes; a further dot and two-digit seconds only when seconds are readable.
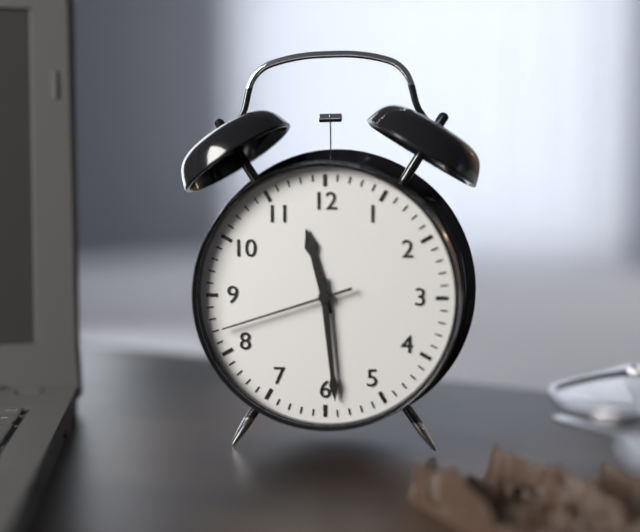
11.29.42
